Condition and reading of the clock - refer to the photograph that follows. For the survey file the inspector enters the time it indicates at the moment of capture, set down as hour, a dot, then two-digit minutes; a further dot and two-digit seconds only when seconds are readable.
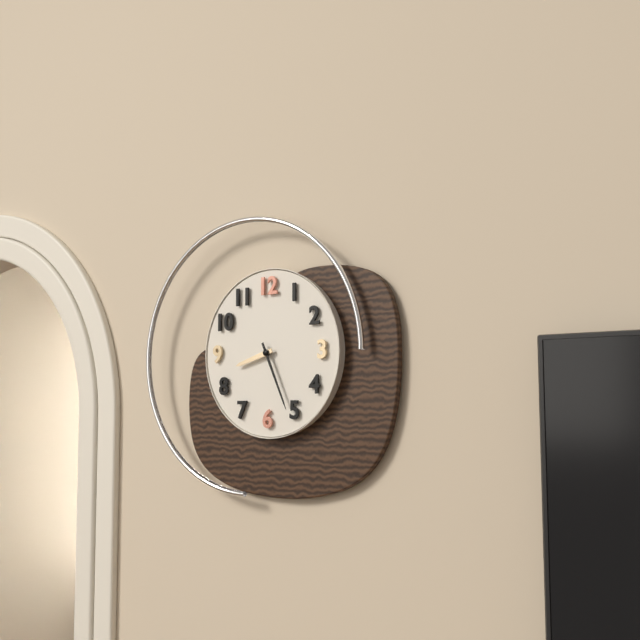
8.26
